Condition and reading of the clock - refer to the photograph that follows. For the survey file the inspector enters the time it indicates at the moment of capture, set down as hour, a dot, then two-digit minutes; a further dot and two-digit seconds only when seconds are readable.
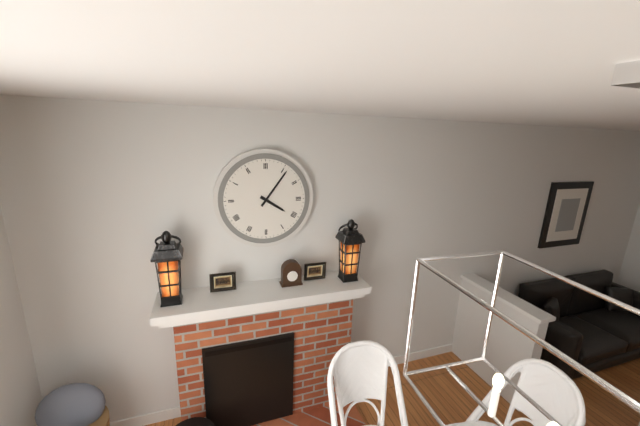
4.06
